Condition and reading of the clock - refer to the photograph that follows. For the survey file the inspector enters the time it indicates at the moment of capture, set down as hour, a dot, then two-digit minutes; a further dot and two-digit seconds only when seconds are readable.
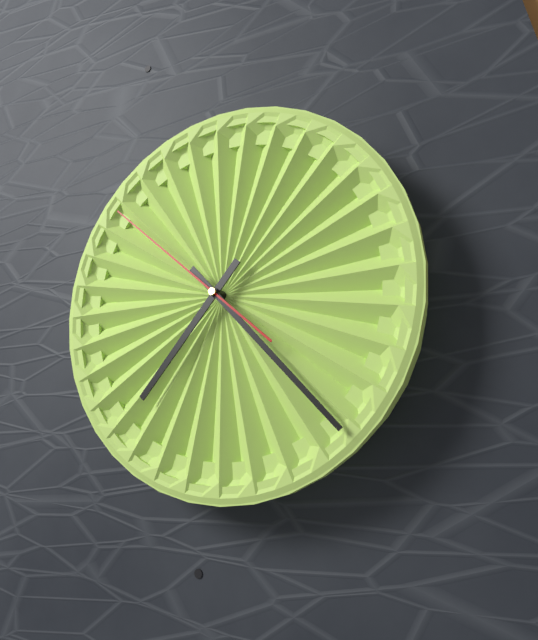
7.23.52
